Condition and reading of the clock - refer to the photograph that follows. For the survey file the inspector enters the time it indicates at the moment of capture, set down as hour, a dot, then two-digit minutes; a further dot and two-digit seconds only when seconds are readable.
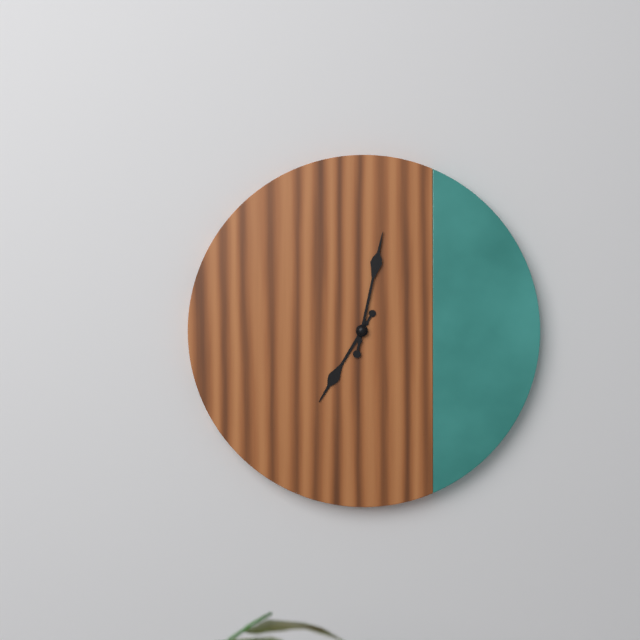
7.02
